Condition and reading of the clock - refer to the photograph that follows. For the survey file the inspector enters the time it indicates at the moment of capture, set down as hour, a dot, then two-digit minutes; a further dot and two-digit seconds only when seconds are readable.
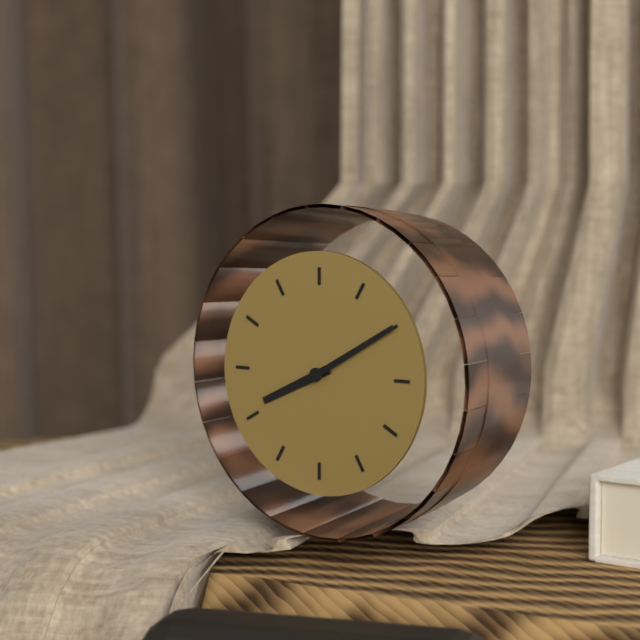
8.10
